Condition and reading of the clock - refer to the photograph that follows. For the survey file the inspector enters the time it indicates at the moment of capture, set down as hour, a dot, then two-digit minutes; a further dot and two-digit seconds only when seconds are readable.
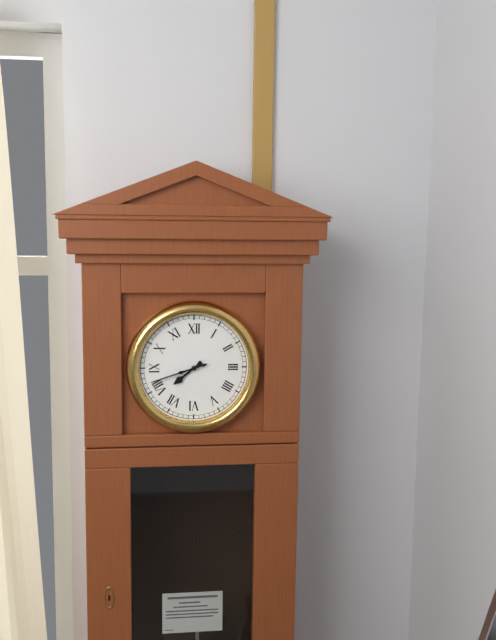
7.42
